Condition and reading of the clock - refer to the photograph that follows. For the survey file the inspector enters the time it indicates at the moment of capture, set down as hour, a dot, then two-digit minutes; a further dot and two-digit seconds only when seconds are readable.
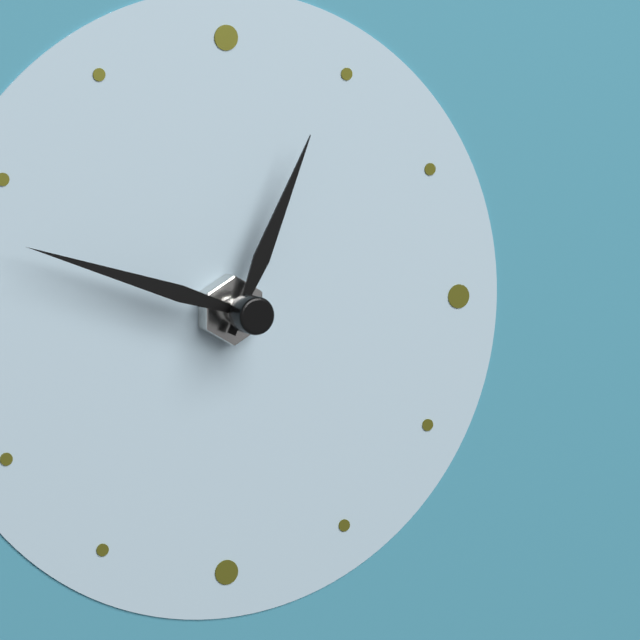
12.48
